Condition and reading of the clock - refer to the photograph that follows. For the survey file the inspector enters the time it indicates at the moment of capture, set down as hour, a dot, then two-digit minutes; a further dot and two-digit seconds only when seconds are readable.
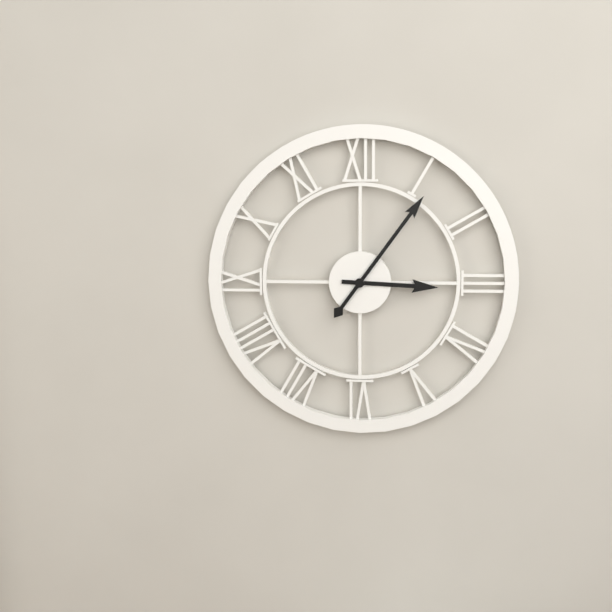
3.06
